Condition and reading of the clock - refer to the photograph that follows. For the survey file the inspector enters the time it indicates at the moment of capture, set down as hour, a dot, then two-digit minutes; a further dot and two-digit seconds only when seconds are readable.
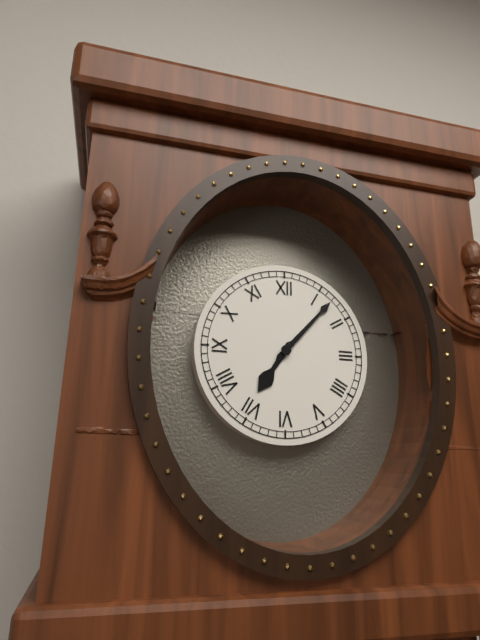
7.07
